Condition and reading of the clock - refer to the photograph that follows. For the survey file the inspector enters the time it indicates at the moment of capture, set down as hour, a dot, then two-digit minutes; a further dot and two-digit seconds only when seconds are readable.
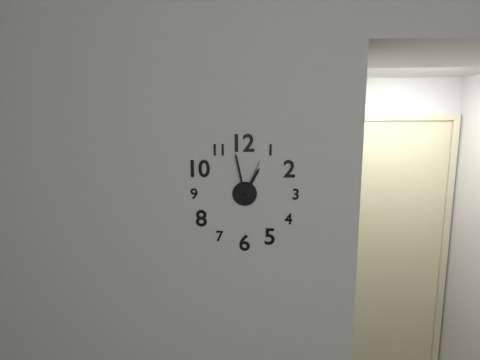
12.58
